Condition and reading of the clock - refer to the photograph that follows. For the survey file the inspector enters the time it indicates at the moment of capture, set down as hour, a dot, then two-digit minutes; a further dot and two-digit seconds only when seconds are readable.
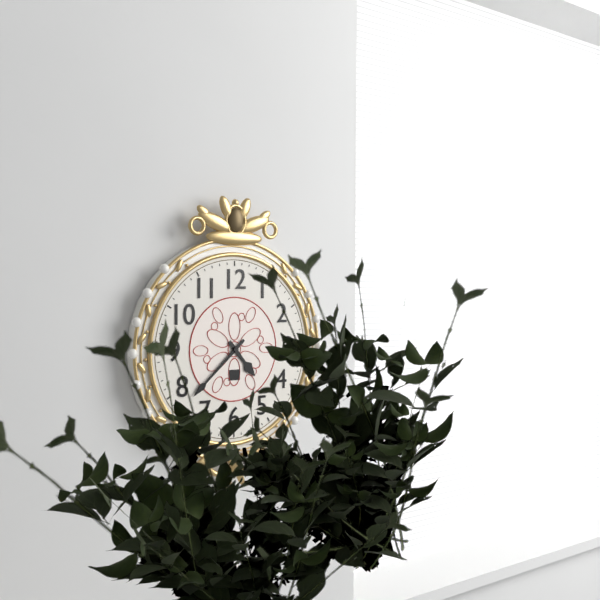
4.38
